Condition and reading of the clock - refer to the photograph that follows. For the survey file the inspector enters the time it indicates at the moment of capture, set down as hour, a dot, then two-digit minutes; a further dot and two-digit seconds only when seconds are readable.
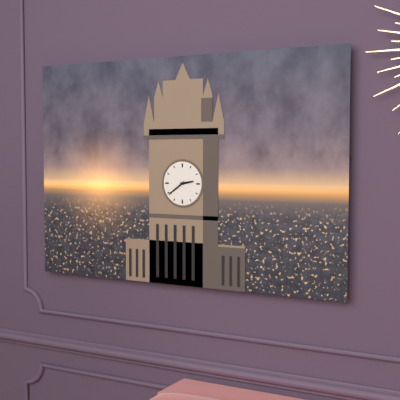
2.39
